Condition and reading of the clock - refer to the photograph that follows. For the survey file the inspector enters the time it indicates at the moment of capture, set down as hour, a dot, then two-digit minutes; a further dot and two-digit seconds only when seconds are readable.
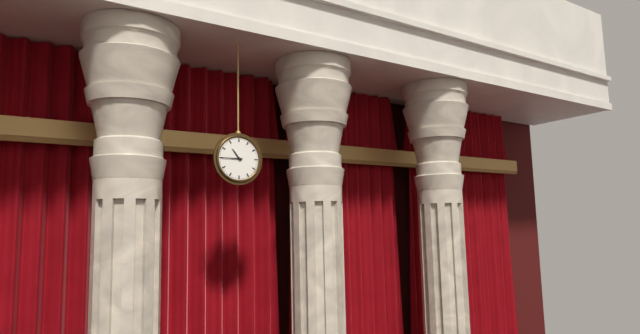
10.45
